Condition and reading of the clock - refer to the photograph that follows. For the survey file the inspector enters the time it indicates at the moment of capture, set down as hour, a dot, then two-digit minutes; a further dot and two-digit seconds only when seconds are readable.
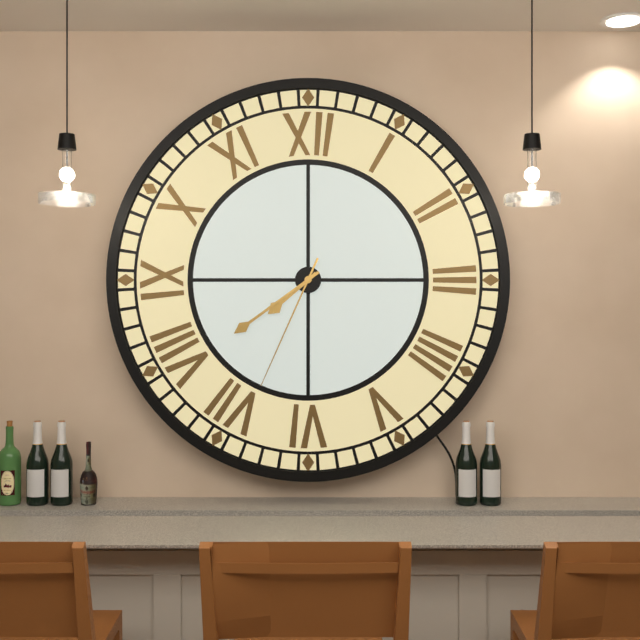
7.39.34
